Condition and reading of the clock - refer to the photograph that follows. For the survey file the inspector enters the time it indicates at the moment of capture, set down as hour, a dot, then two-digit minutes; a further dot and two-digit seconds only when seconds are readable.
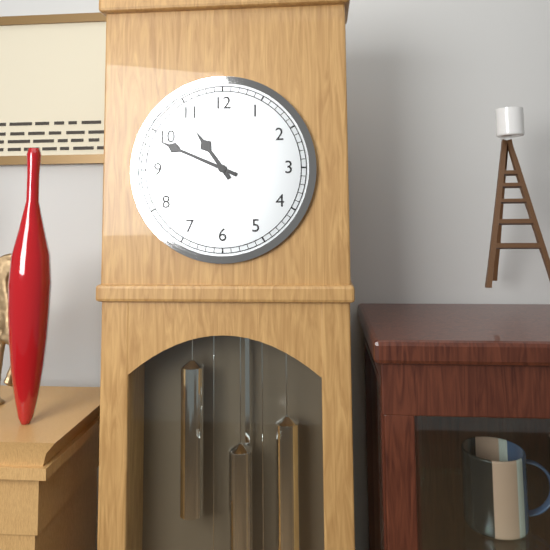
10.49
